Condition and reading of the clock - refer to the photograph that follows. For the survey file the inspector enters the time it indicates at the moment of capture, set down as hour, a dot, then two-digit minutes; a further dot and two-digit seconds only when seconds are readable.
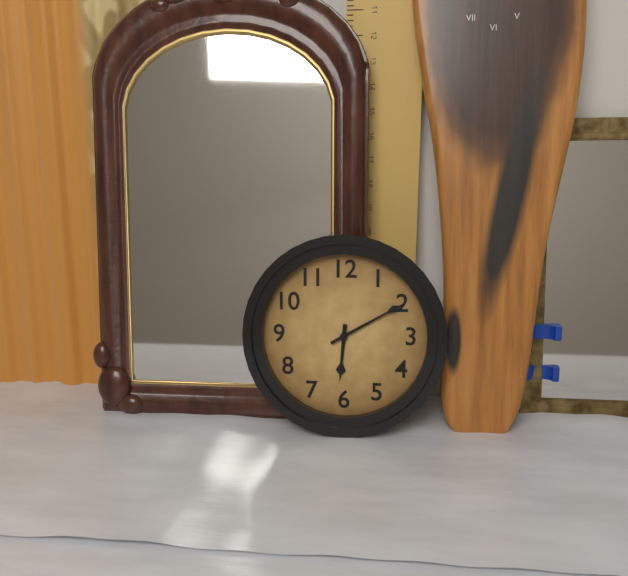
6.10
